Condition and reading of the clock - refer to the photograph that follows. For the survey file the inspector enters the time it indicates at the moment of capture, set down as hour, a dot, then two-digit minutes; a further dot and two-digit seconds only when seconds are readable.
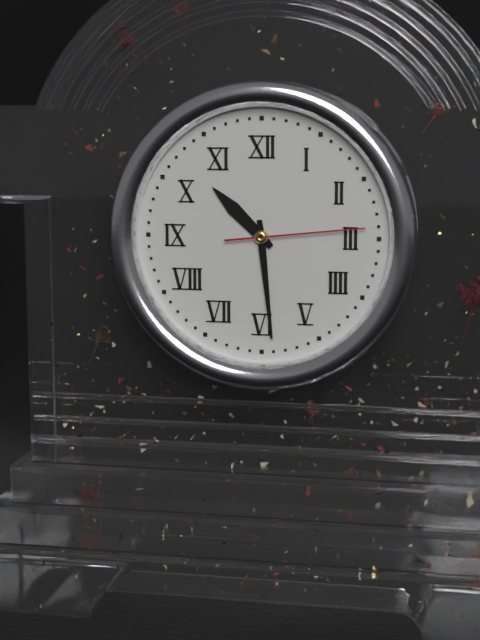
10.29.14
